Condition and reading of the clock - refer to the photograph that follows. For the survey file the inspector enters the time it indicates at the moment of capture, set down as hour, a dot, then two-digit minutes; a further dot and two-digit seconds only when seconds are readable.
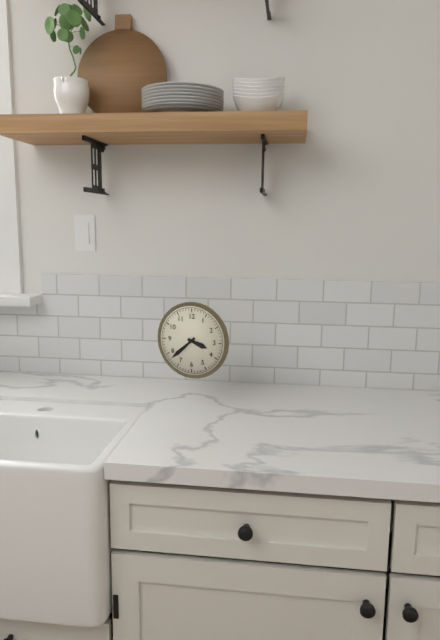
3.38
